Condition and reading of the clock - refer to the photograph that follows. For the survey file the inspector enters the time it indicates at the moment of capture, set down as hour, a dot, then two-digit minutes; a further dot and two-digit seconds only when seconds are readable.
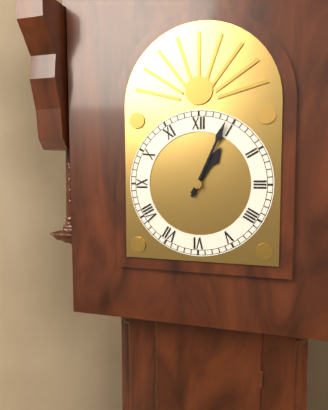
1.04
